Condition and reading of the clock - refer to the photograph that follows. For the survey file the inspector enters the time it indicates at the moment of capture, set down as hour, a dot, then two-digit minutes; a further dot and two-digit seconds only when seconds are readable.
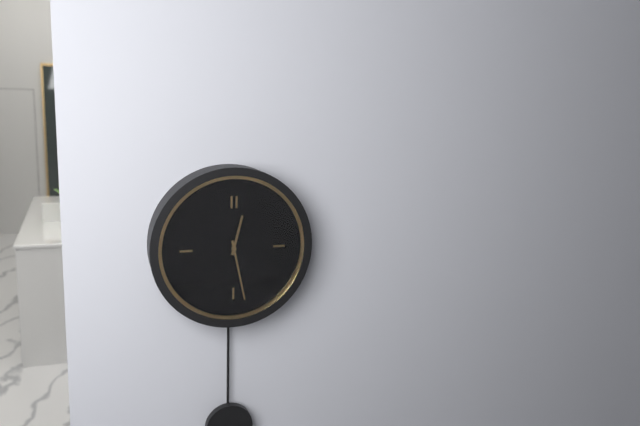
12.28
